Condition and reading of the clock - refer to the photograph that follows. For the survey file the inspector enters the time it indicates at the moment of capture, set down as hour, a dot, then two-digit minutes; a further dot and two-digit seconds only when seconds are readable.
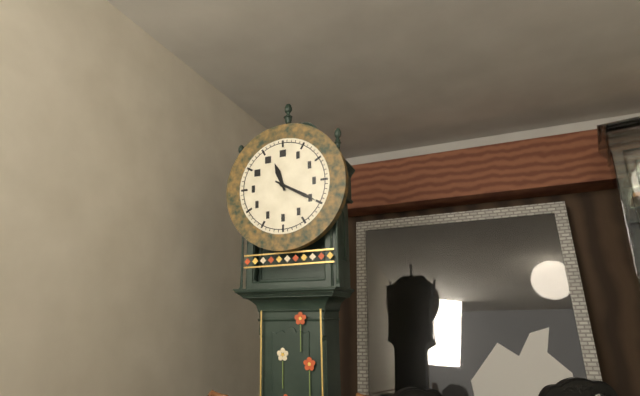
11.20
